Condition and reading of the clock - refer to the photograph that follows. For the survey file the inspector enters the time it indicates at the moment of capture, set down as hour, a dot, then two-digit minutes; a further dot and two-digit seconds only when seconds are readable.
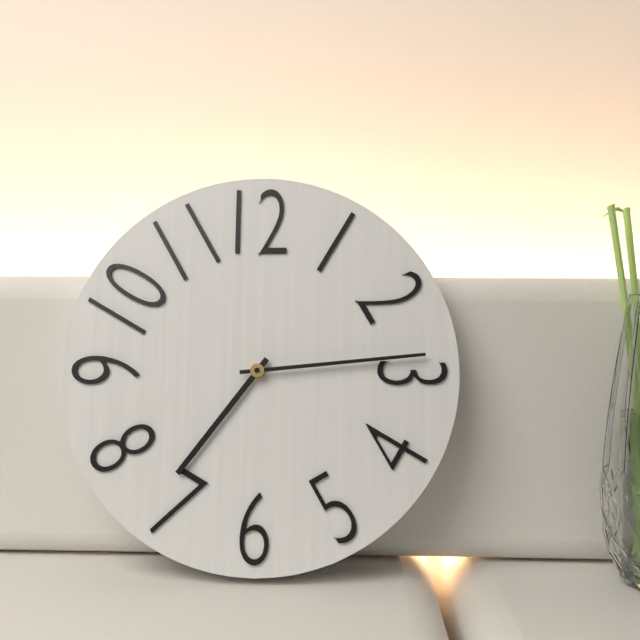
7.14
